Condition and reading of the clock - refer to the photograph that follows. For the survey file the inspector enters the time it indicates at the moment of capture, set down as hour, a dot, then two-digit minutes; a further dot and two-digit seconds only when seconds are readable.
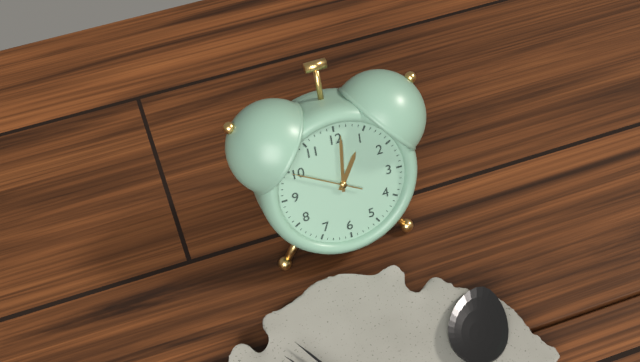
1.01.50
